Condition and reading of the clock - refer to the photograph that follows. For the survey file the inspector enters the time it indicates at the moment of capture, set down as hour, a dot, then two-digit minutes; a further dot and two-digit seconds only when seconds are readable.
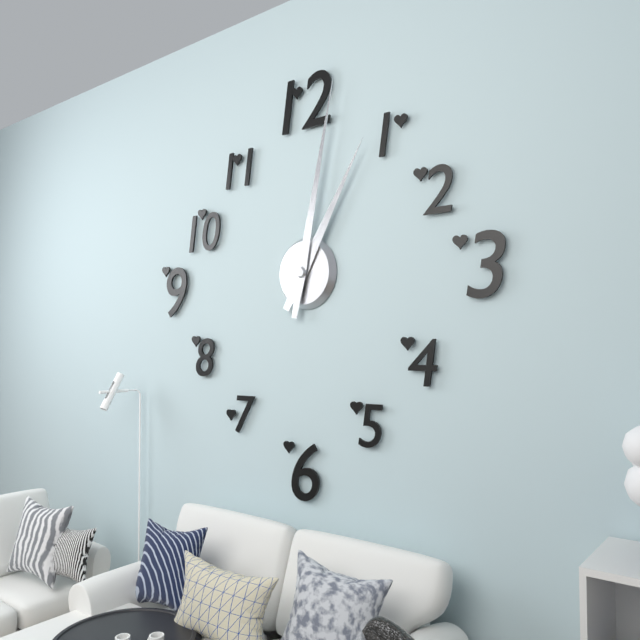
1.02
